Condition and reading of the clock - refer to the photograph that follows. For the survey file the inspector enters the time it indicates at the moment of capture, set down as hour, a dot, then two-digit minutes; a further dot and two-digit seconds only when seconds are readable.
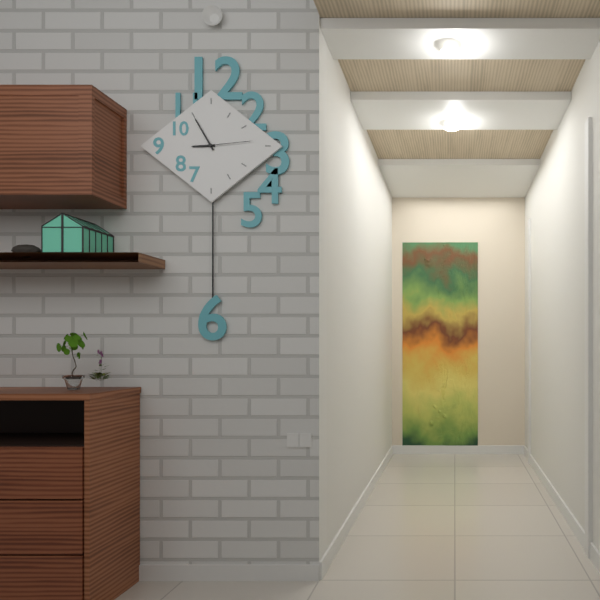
8.55
